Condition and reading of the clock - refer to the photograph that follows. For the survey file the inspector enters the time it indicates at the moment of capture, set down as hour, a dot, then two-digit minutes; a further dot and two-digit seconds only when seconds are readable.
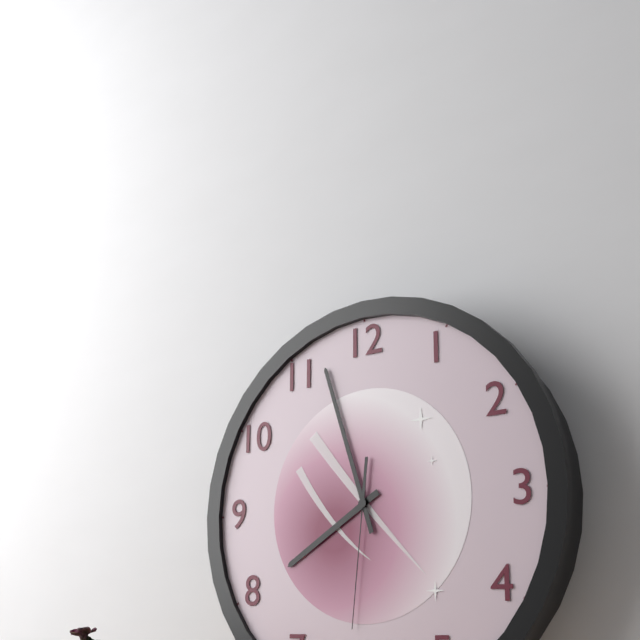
7.57.31
